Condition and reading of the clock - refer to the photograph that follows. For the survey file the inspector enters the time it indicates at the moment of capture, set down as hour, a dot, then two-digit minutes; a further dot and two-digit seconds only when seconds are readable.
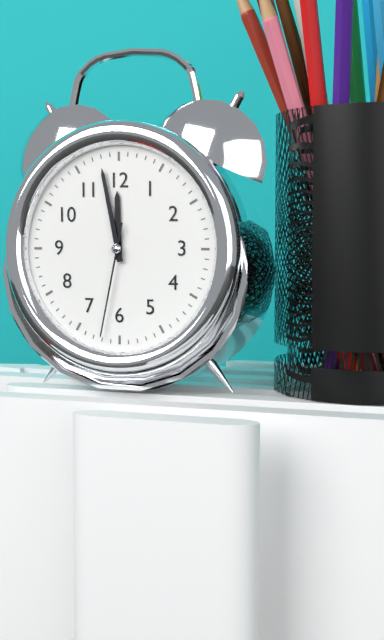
11.58.32
